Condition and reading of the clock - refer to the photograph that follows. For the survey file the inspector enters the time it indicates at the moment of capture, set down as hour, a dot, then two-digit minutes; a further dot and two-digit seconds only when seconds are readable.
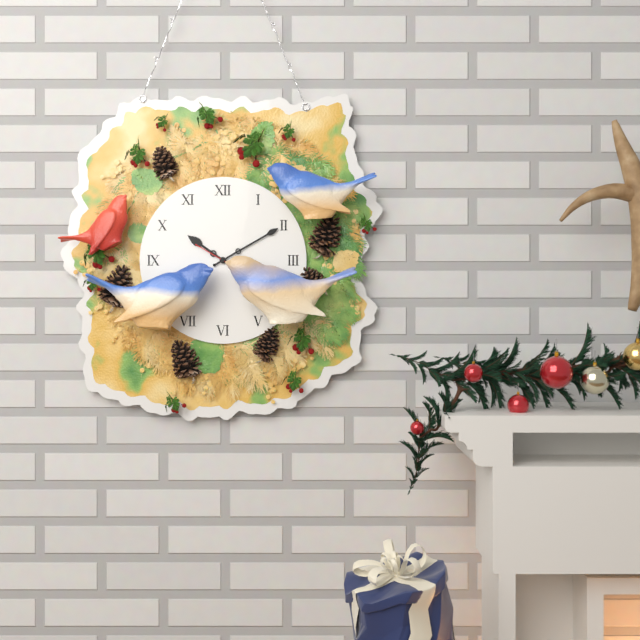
10.10
